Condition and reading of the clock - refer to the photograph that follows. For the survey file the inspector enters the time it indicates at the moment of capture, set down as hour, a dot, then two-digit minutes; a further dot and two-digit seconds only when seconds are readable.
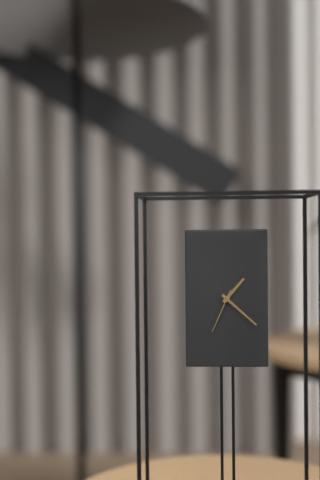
1.22
